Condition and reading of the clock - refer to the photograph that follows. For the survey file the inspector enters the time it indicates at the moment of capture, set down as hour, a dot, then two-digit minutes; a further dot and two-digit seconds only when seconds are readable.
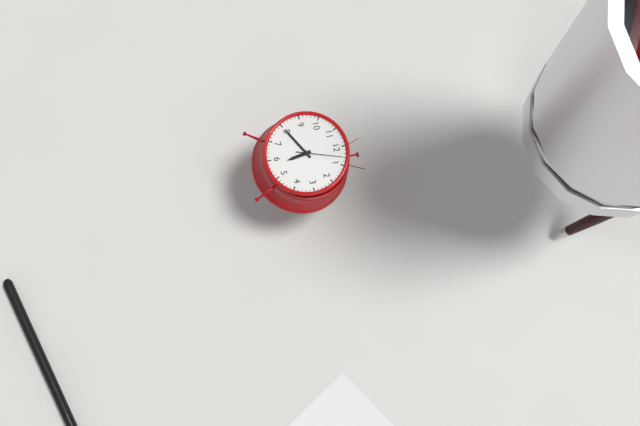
5.40
